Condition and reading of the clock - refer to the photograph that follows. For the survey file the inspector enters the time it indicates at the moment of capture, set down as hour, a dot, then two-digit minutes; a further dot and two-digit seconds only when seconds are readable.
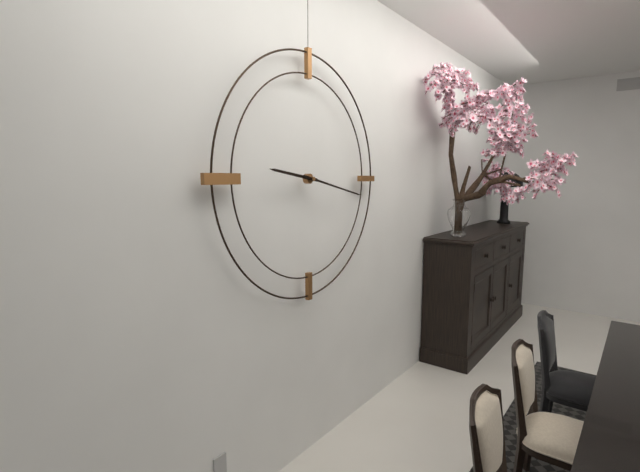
9.17
